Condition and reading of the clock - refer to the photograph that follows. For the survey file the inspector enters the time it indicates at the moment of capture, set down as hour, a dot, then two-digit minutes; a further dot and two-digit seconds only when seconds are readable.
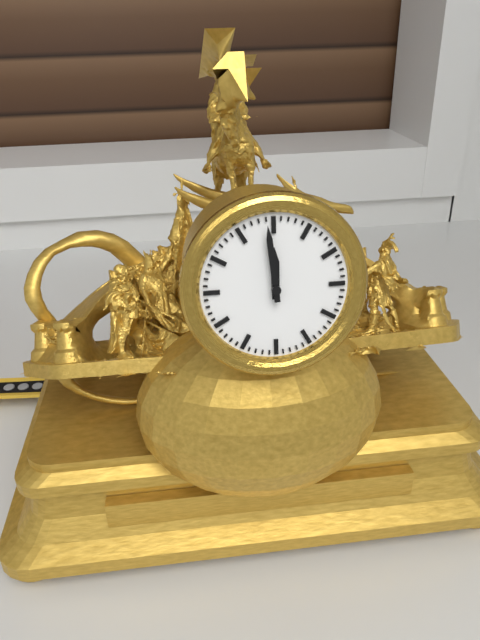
11.59
